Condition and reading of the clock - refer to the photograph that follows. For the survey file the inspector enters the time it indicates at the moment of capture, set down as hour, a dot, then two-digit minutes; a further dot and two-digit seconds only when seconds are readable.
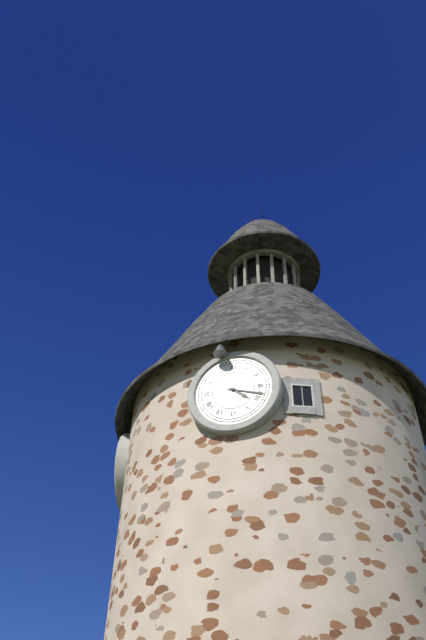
4.18
